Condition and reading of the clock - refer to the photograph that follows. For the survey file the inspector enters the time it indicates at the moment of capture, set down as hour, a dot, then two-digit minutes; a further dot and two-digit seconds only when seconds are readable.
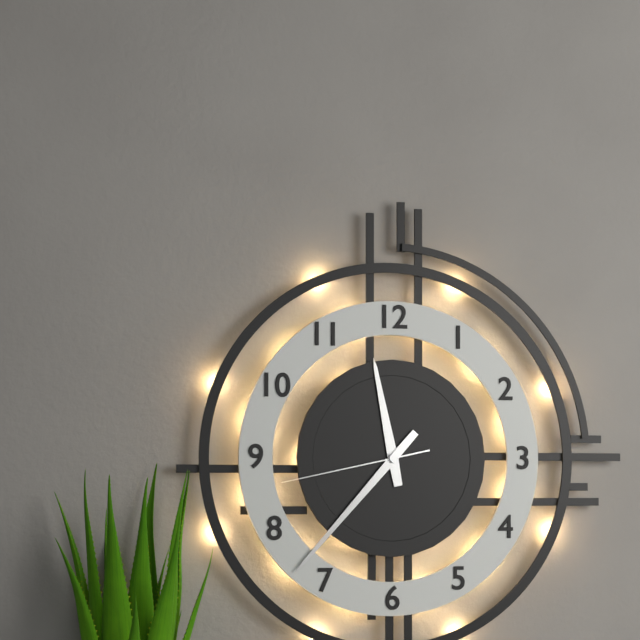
11.37.43
